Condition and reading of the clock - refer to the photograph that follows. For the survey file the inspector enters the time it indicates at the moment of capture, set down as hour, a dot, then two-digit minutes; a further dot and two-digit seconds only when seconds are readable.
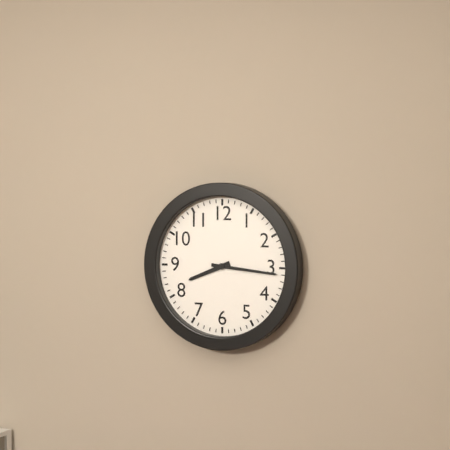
8.16
